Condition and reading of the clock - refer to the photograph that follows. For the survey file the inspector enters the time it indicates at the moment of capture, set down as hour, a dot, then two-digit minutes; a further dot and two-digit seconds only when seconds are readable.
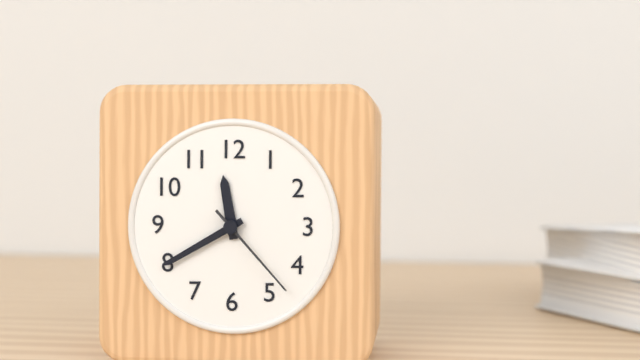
11.40.23
